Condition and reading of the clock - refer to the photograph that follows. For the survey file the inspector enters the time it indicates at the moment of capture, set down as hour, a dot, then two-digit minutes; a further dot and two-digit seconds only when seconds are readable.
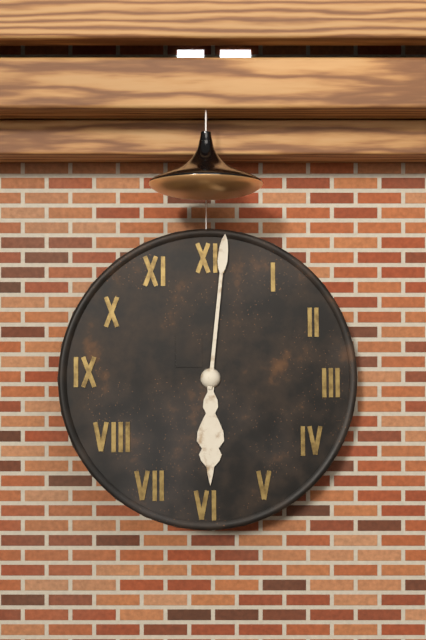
6.01
